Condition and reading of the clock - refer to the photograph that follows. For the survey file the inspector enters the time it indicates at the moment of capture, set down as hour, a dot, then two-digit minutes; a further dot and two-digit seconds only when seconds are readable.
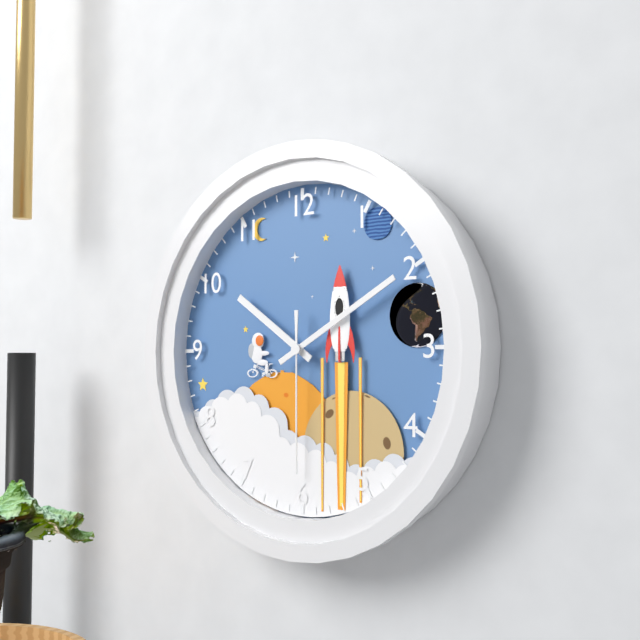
10.10.30
